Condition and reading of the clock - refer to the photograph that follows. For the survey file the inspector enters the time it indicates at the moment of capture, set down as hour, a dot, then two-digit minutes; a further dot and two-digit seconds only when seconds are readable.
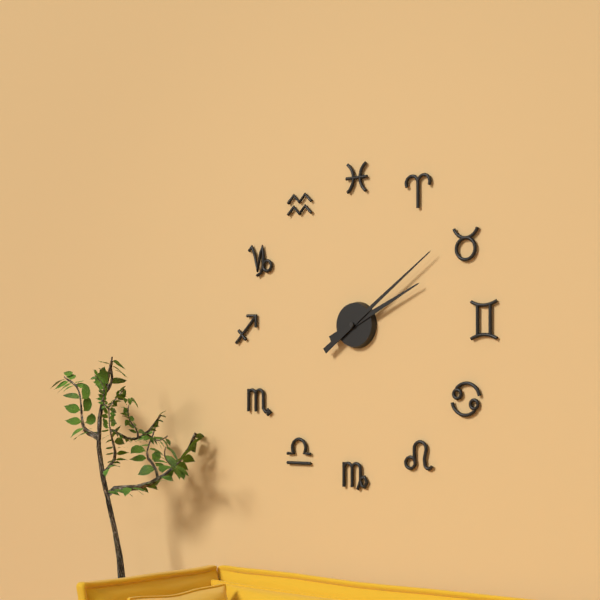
2.09
